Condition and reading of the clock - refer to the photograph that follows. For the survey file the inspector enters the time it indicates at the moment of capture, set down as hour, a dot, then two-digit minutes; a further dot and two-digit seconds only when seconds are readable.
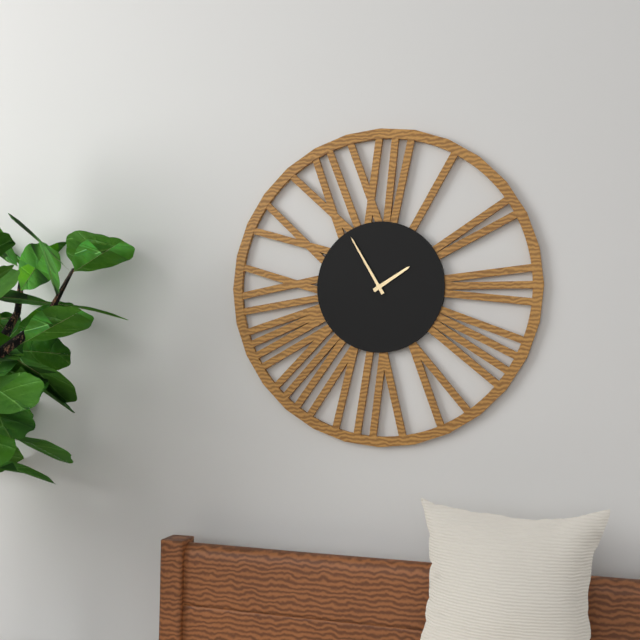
1.55
